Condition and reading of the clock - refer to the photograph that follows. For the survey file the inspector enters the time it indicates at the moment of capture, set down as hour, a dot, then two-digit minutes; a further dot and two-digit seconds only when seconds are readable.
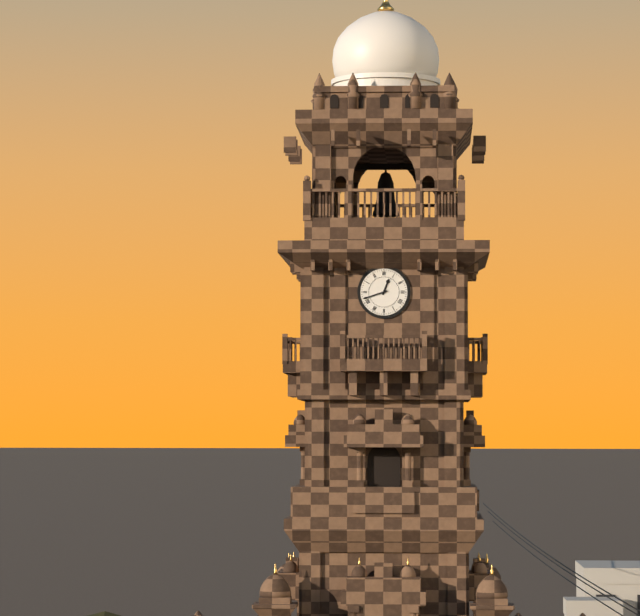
12.42
